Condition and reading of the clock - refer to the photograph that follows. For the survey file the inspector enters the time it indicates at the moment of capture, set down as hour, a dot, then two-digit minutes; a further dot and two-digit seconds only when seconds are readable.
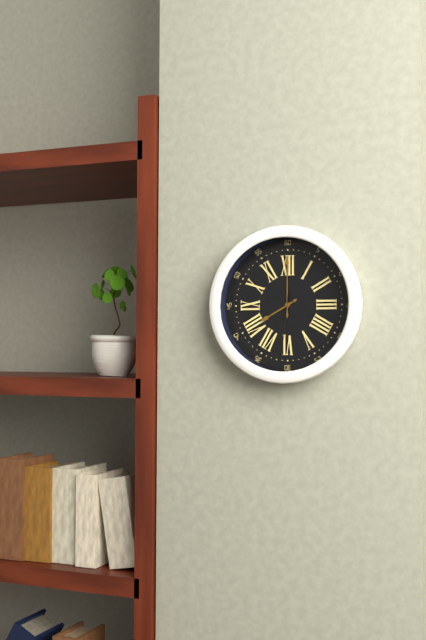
8.00.31
